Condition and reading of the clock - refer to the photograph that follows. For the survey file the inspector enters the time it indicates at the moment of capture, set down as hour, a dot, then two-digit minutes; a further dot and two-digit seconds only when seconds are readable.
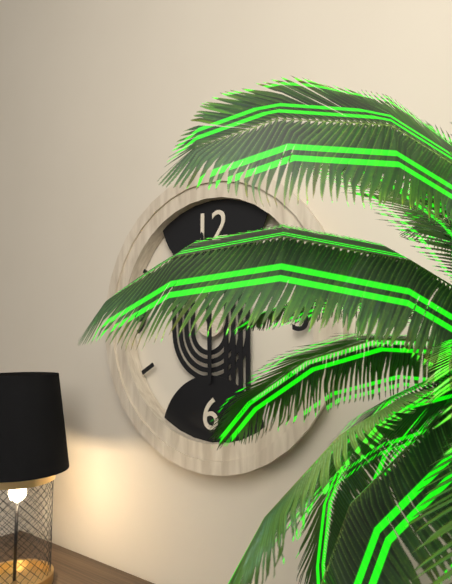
5.59
